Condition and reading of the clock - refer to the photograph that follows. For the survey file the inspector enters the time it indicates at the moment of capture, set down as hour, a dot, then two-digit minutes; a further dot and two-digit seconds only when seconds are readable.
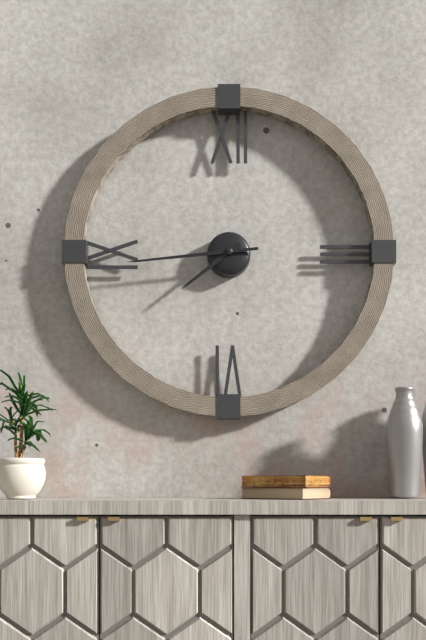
7.44
